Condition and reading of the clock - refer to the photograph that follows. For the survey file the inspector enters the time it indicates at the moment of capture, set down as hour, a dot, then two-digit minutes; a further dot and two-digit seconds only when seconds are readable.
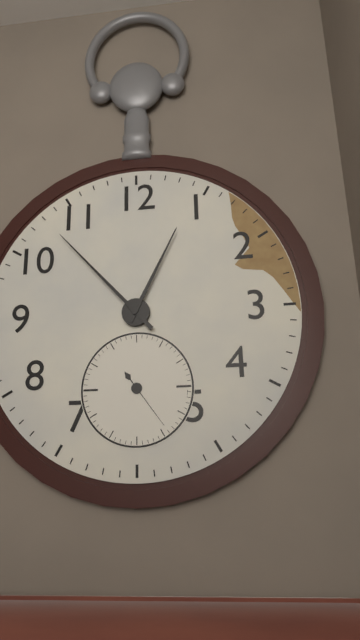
12.53.24
